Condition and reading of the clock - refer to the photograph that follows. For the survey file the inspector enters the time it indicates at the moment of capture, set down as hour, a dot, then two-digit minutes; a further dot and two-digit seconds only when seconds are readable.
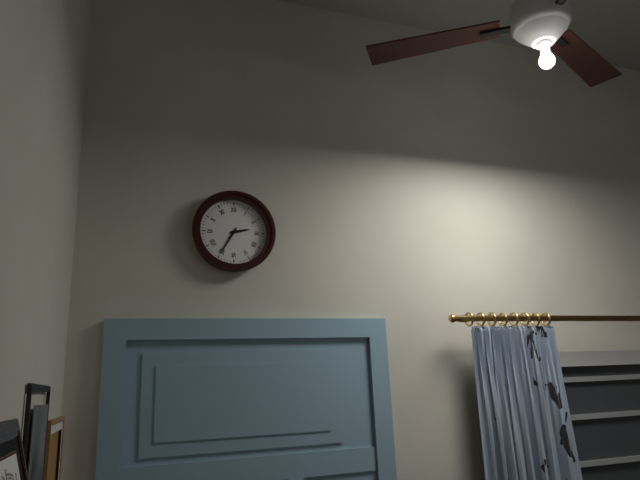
2.35
